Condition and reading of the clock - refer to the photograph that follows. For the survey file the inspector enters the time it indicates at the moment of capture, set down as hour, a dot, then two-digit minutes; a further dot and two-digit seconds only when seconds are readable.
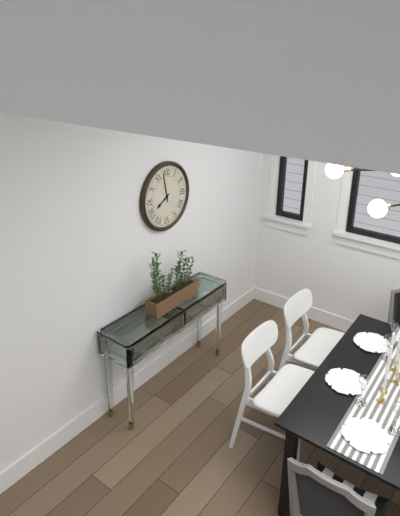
7.58
